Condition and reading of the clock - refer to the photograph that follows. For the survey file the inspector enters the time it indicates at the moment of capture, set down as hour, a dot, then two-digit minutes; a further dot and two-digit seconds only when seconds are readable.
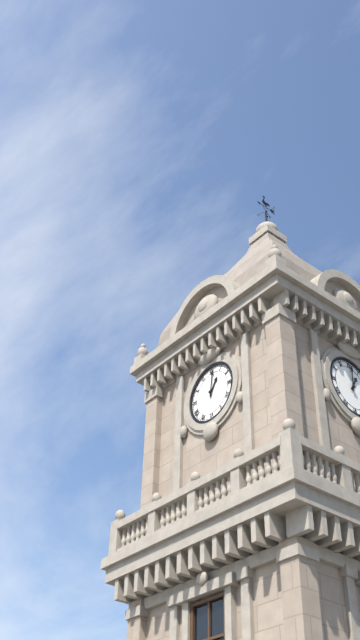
1.01
